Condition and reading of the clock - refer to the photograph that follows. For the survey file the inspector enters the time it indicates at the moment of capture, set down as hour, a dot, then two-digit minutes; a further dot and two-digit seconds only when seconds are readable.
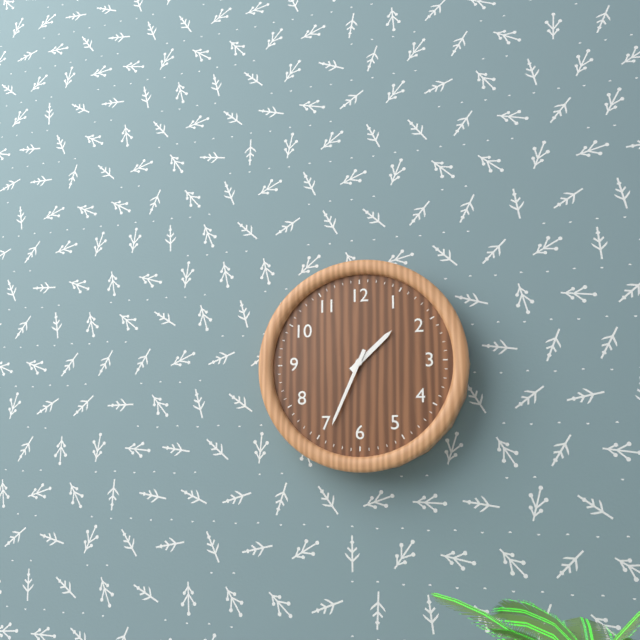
1.34
